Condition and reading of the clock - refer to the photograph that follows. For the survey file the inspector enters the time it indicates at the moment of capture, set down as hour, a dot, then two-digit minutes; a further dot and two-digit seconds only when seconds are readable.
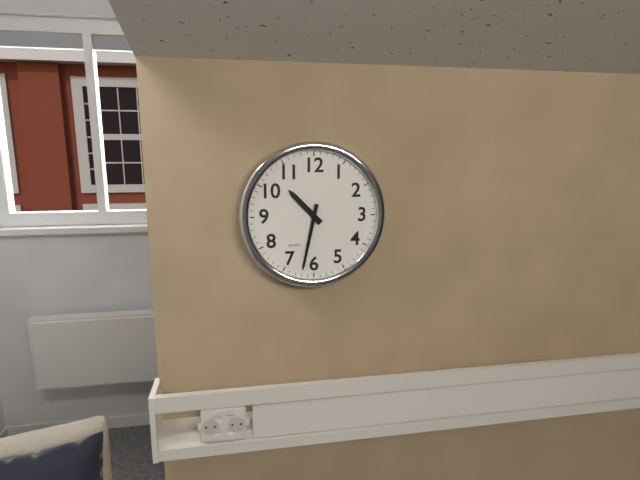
10.32
